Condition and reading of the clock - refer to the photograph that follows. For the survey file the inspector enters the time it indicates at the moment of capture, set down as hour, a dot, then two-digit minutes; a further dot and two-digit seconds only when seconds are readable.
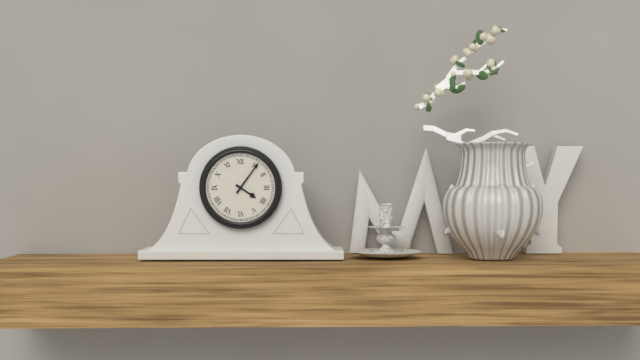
4.06
